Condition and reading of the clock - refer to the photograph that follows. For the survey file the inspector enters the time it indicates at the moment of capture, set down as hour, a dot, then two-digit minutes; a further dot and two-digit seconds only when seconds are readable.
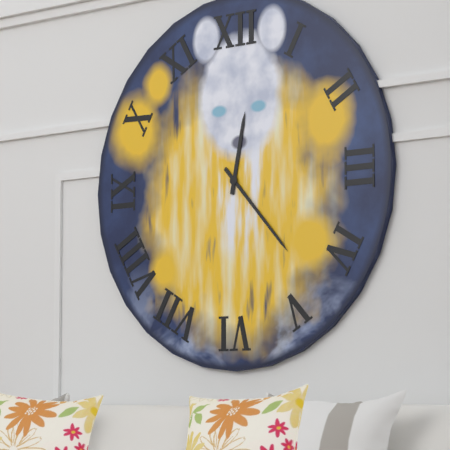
12.23
